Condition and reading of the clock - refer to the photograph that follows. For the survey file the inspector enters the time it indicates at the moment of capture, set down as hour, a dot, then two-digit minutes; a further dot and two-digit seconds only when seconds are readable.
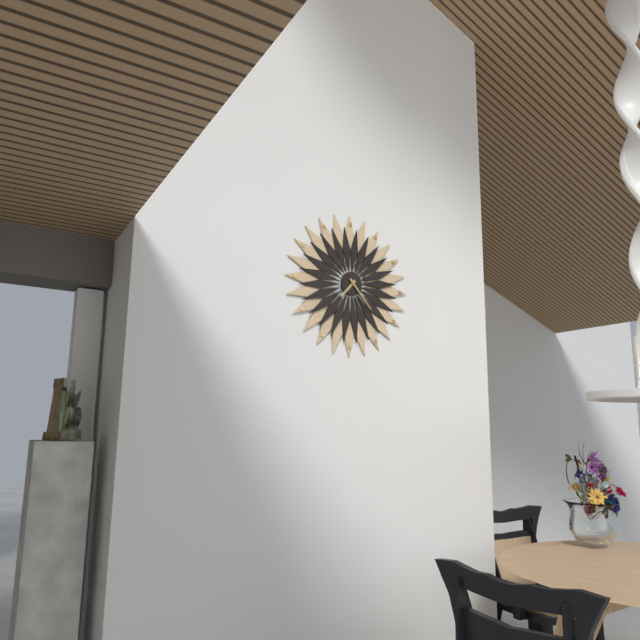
7.23
